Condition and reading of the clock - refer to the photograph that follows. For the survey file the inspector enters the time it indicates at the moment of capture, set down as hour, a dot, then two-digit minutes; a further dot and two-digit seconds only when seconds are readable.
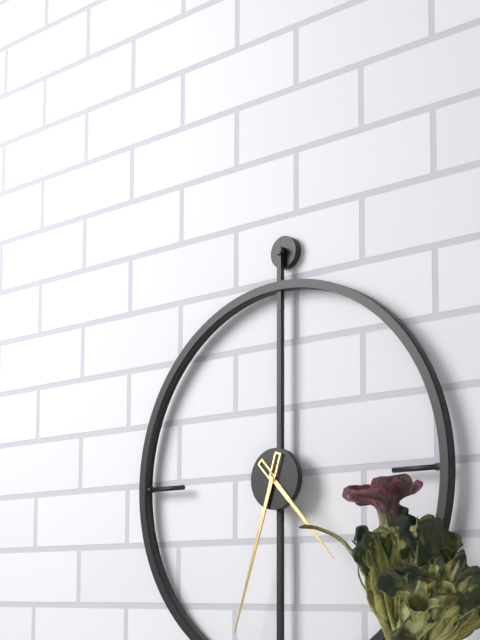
4.33
